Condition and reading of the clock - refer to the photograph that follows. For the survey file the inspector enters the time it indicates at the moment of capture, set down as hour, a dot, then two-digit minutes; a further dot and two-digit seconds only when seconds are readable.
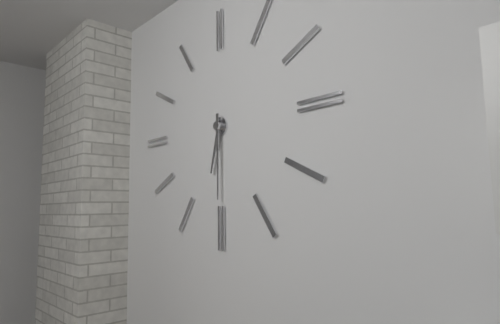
6.30
